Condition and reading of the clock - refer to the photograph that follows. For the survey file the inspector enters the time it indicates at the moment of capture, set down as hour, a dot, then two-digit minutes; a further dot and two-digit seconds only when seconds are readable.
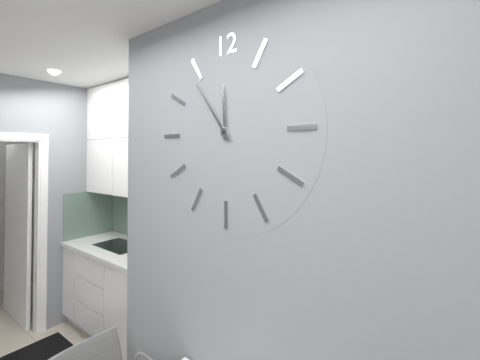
11.54
